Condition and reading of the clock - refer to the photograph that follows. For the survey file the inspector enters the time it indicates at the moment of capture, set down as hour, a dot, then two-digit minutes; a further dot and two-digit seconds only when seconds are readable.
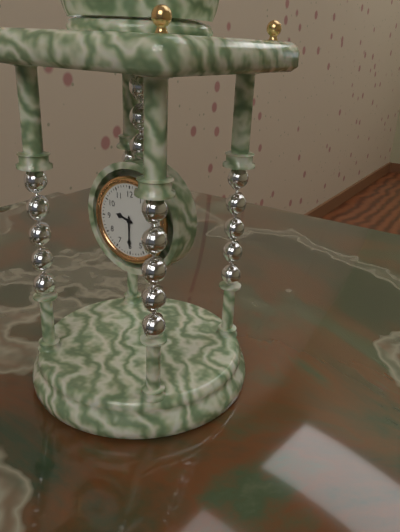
9.30
